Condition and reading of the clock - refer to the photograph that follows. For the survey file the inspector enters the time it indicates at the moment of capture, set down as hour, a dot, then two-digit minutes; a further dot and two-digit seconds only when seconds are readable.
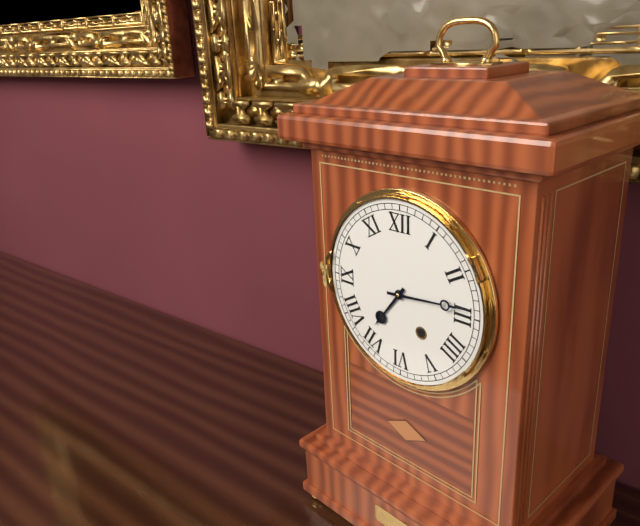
7.14
